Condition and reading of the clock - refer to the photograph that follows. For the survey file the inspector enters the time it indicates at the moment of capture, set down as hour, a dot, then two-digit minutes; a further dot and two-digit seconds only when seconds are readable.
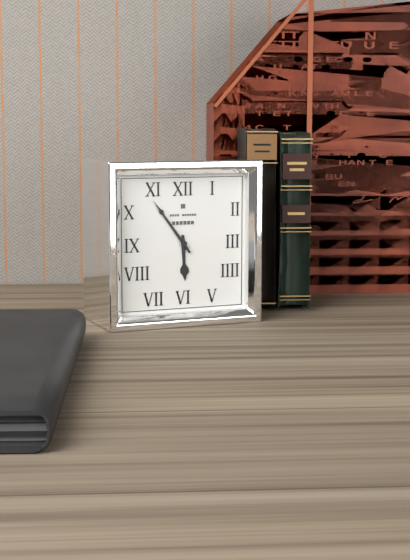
5.54
